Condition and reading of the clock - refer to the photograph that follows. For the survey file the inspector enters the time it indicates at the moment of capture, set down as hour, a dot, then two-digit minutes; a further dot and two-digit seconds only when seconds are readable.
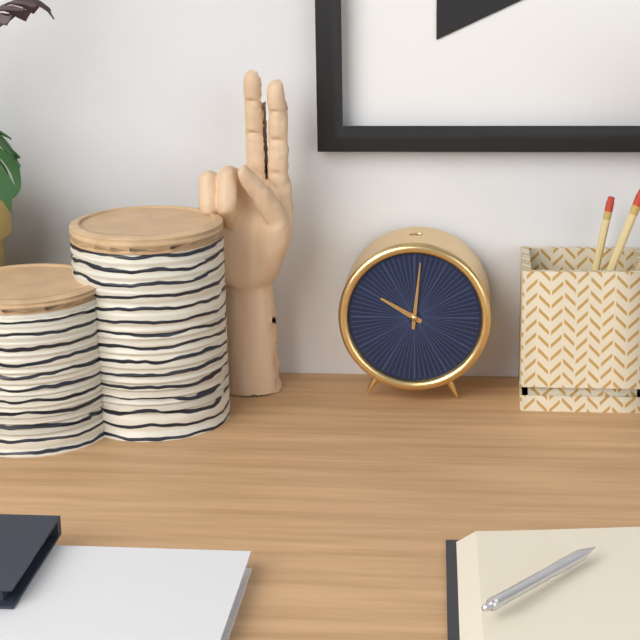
10.01
